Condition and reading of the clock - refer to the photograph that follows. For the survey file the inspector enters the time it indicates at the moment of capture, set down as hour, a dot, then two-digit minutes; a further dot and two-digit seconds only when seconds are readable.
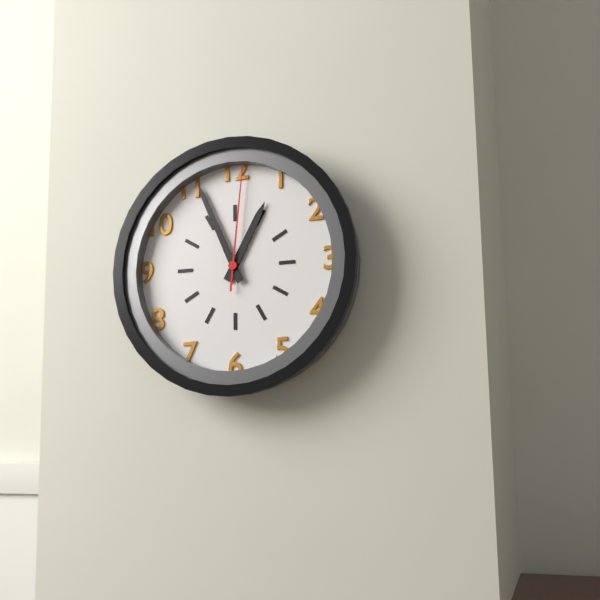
12.56.01
